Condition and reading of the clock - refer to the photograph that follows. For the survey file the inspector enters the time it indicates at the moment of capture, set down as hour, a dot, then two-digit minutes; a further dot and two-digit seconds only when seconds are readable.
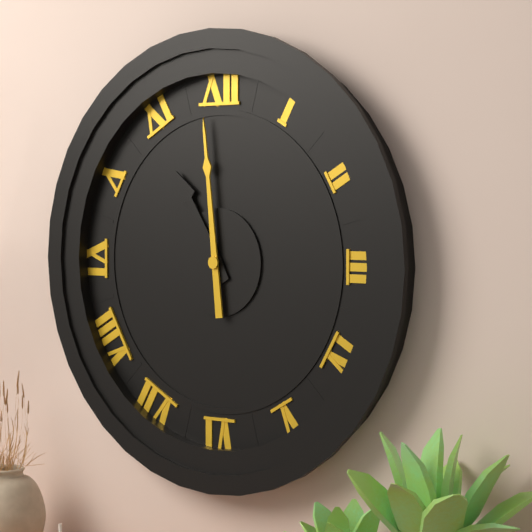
10.59
